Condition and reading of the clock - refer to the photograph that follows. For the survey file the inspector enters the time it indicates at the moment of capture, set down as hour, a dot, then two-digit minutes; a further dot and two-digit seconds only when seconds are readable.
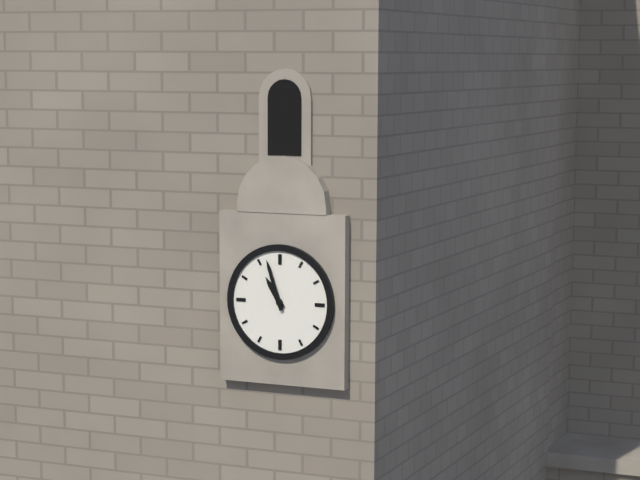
10.57
